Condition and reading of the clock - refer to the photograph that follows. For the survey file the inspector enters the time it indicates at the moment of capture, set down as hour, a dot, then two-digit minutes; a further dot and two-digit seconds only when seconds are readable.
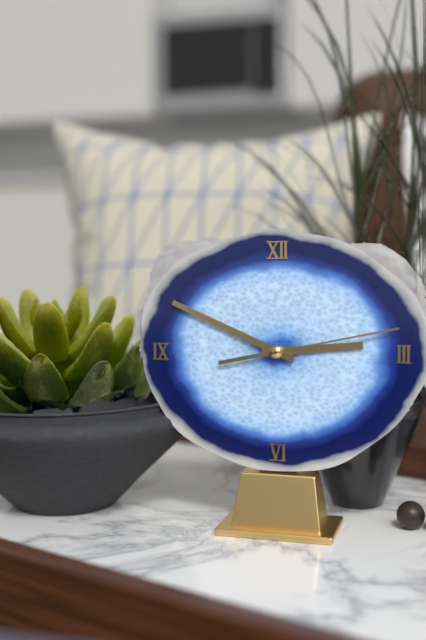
2.49.13
